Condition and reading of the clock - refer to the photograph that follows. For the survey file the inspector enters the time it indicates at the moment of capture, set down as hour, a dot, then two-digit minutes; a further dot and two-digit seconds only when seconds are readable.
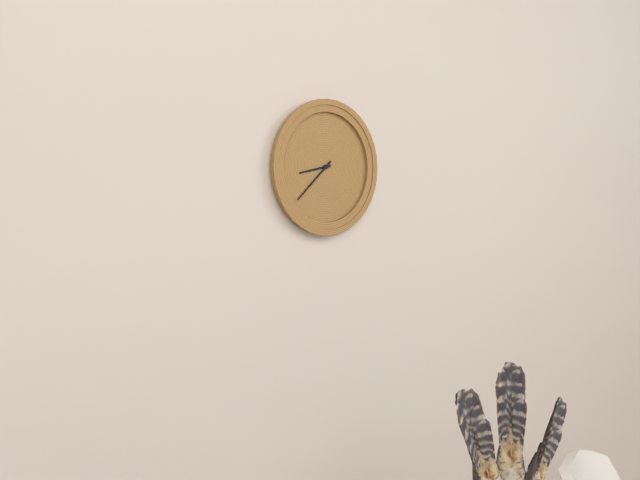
8.38
